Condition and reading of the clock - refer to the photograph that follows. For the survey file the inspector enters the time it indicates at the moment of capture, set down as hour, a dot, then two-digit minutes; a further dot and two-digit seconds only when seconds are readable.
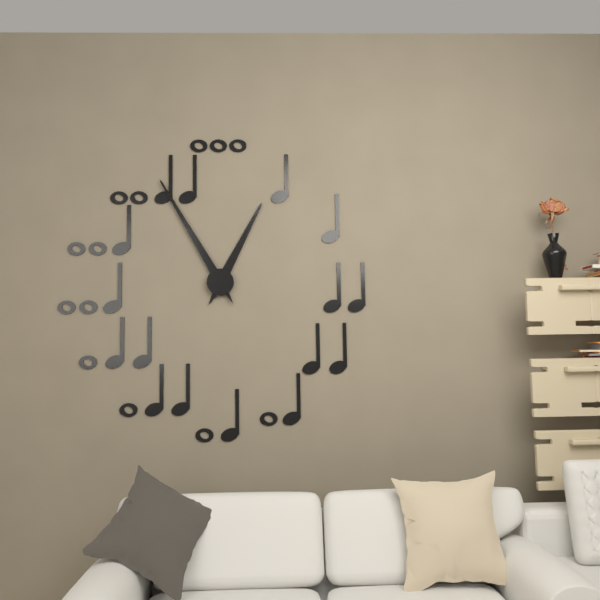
12.55
